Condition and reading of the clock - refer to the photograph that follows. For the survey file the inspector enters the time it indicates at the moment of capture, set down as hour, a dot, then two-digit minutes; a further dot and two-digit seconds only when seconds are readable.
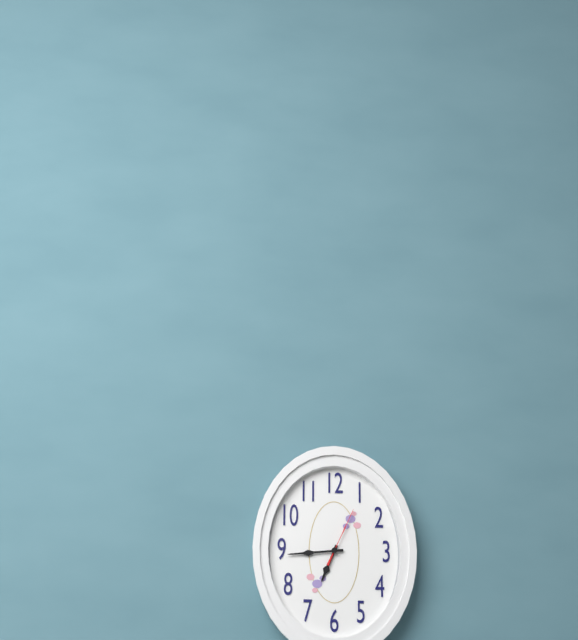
6.44.04
